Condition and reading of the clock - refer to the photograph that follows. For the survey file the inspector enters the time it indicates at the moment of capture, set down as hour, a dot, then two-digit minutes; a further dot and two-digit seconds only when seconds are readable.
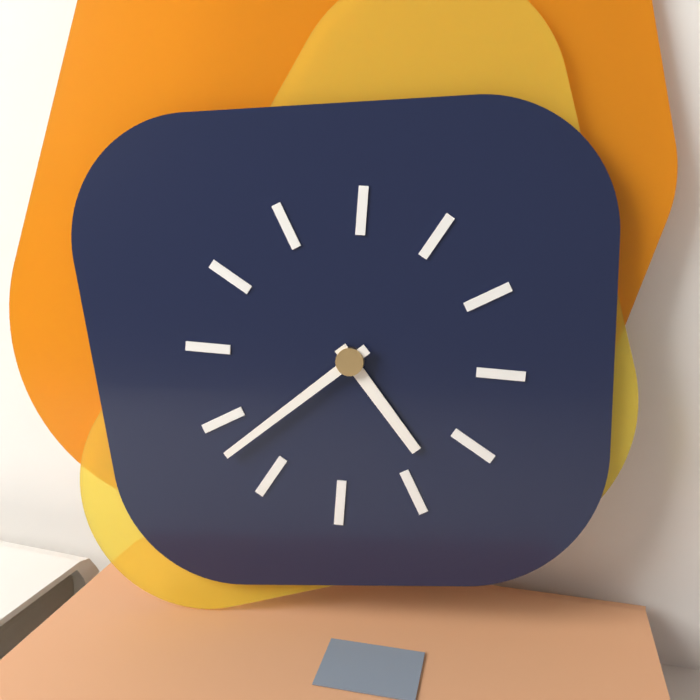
4.38
